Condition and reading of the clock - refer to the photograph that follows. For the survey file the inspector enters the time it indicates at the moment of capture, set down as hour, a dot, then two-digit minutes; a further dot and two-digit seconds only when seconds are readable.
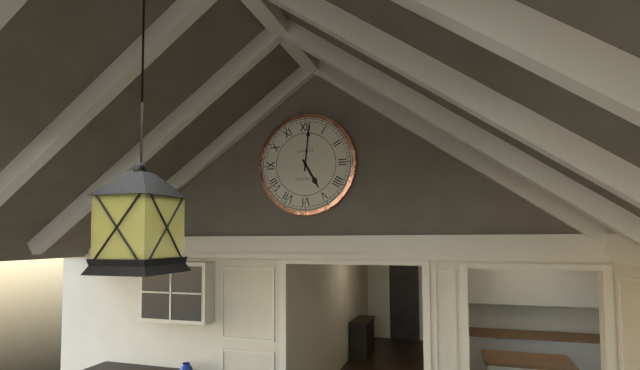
5.01
